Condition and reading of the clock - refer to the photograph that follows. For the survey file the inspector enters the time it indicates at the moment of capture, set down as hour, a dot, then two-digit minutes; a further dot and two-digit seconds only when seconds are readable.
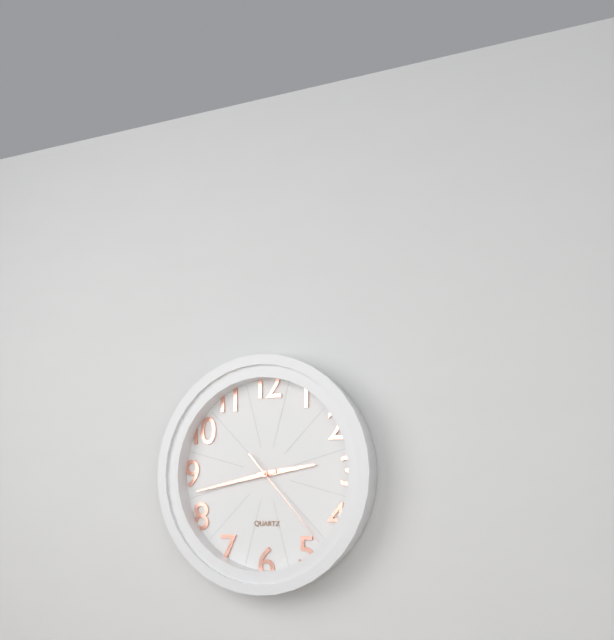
2.43.23
